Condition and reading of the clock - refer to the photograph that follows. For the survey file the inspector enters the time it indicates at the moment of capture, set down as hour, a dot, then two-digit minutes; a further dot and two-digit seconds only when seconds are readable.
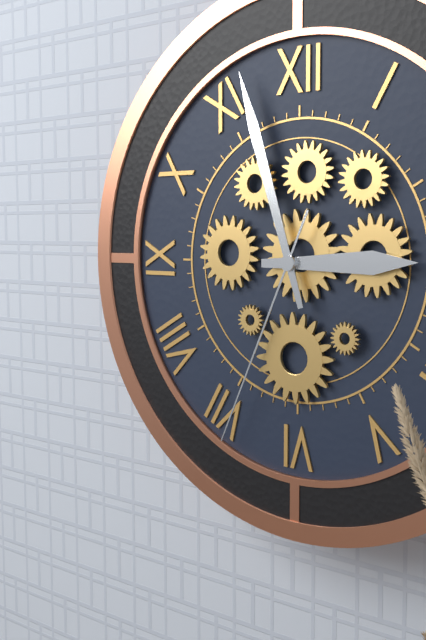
2.57.34
